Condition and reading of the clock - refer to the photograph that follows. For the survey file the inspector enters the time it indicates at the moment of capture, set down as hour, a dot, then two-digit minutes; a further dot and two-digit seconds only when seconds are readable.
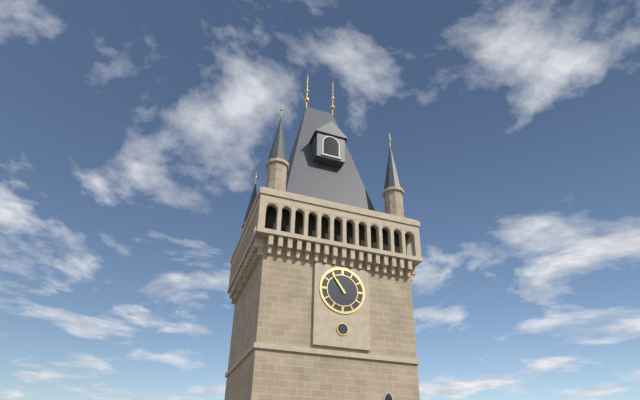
10.54
